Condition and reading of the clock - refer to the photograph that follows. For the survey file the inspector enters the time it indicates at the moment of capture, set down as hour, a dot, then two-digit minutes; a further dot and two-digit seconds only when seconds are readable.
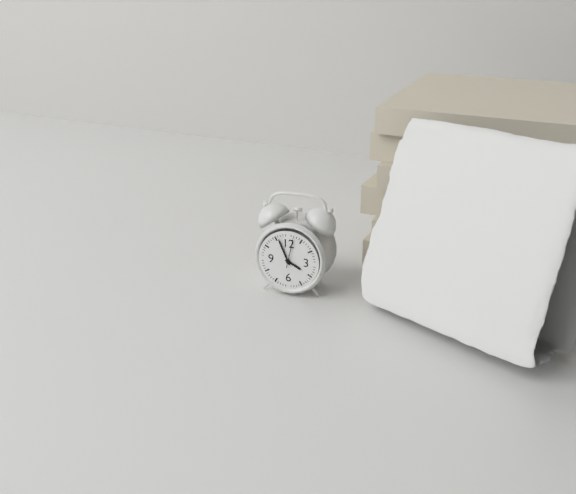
3.56
